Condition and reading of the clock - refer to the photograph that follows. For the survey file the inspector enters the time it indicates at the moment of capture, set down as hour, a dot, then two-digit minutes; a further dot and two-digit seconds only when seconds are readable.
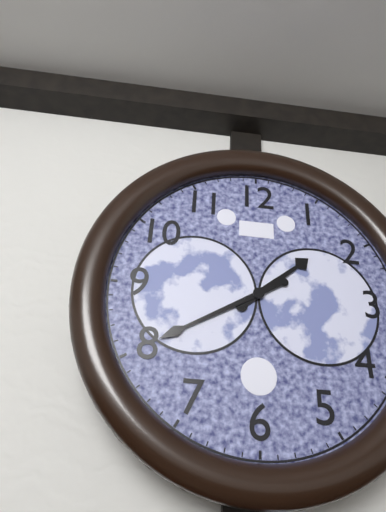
1.40
